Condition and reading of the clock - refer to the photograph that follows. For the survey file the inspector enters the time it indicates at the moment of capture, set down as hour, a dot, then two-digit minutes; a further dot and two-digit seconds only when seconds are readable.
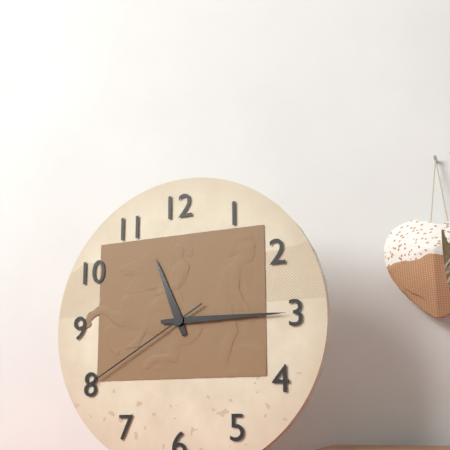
11.15.40
